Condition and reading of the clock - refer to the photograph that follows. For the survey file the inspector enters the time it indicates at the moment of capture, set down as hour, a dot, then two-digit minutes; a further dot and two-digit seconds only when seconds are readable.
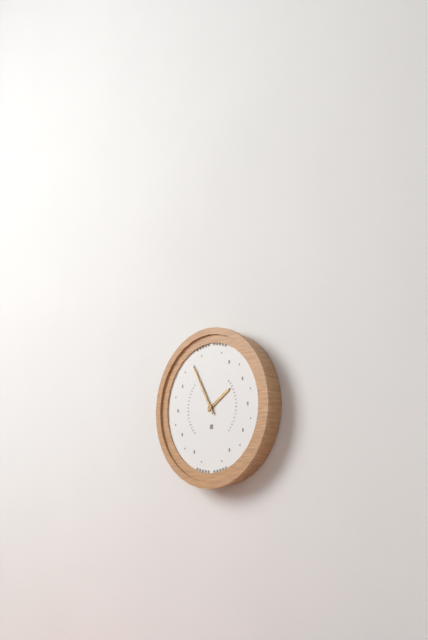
1.55
